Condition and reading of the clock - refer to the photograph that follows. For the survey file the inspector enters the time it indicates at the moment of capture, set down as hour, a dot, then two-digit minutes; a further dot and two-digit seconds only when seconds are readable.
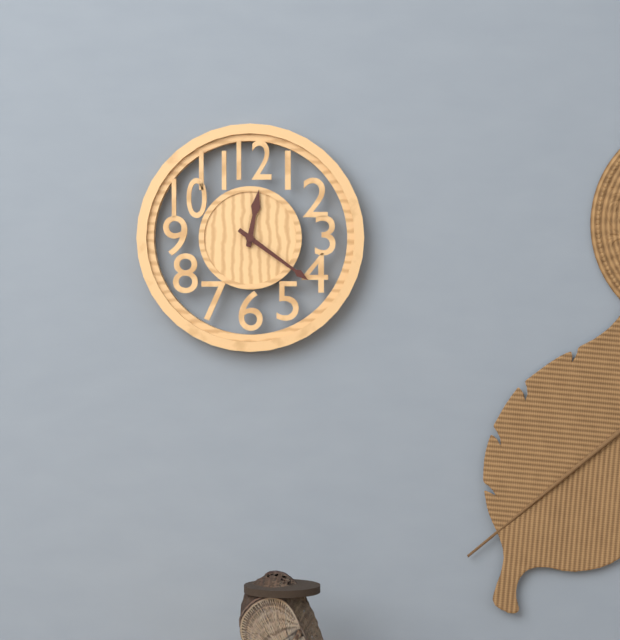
12.21
